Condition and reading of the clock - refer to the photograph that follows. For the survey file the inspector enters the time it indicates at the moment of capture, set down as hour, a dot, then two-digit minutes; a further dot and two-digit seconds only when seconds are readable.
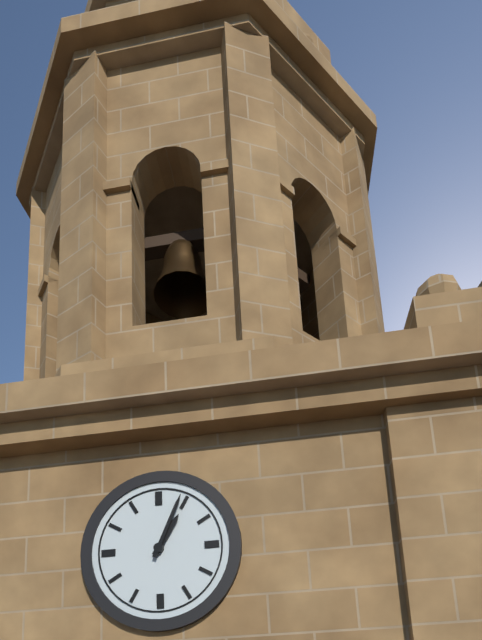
1.04
